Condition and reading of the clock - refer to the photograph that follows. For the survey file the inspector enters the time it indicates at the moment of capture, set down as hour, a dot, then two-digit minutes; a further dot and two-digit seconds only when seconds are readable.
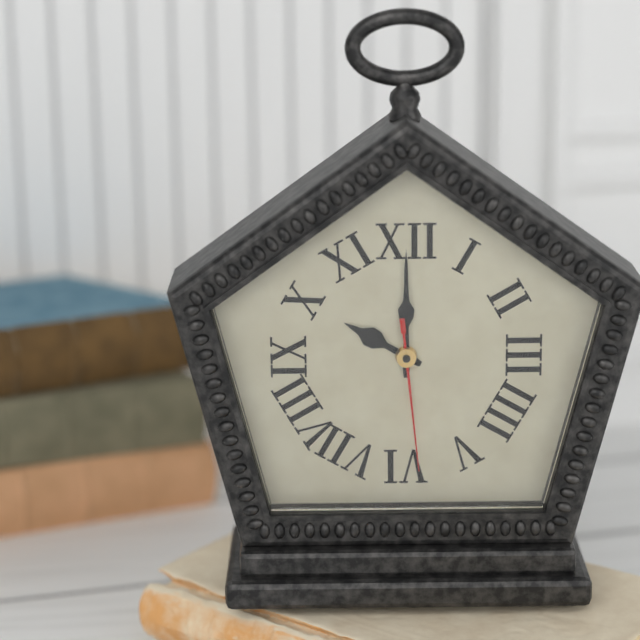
10.00.29
